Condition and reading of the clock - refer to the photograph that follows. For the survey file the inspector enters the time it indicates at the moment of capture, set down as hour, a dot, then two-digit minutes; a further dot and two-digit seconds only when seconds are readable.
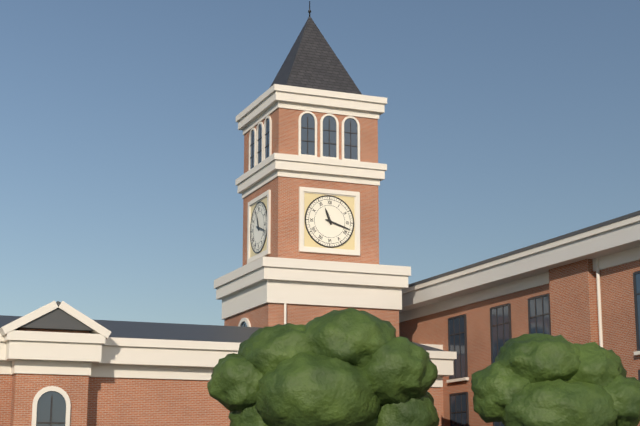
11.18
